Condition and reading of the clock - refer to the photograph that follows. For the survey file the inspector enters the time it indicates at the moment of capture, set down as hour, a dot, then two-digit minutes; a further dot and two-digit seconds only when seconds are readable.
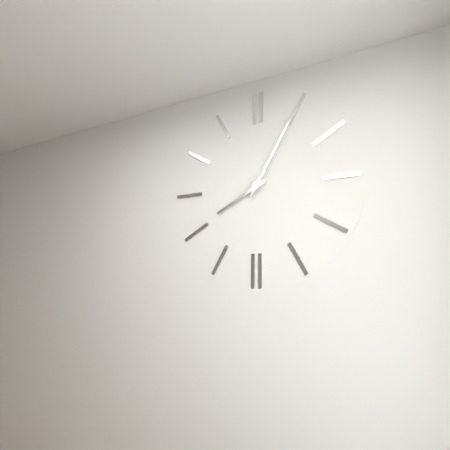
8.05
